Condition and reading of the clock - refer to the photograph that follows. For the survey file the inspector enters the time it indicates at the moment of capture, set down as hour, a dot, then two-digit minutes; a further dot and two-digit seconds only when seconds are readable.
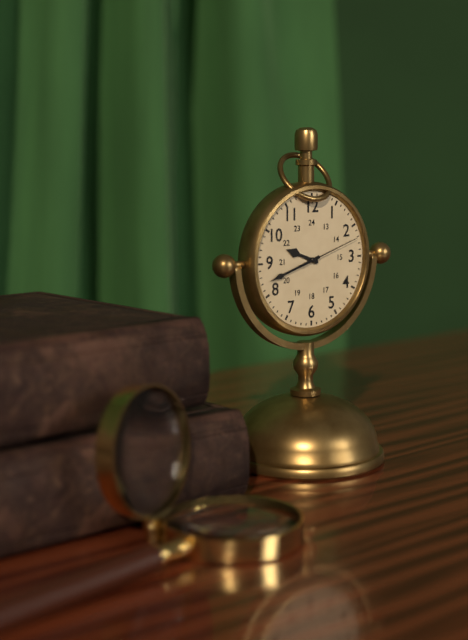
9.42.12
